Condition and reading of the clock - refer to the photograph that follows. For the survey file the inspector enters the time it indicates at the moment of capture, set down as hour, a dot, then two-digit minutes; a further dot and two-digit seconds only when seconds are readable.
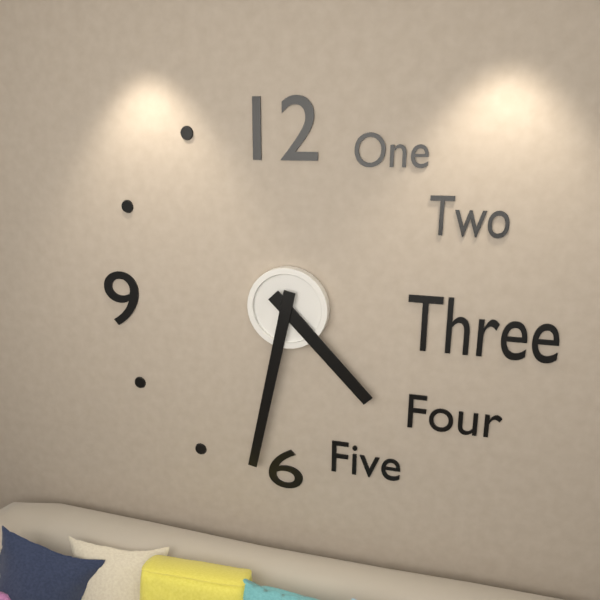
4.32
